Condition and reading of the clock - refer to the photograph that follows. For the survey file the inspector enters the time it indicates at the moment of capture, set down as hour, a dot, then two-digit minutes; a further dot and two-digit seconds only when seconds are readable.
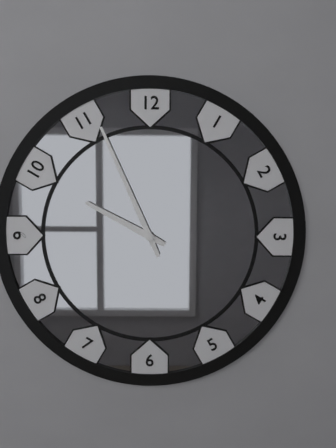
9.56
